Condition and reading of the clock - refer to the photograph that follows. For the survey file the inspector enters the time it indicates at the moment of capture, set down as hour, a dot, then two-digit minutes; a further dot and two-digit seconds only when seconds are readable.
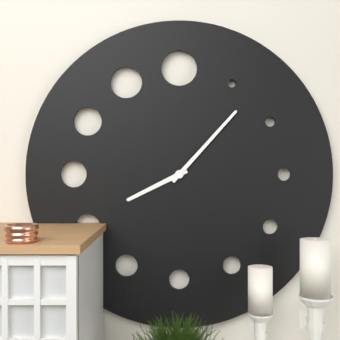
8.07
